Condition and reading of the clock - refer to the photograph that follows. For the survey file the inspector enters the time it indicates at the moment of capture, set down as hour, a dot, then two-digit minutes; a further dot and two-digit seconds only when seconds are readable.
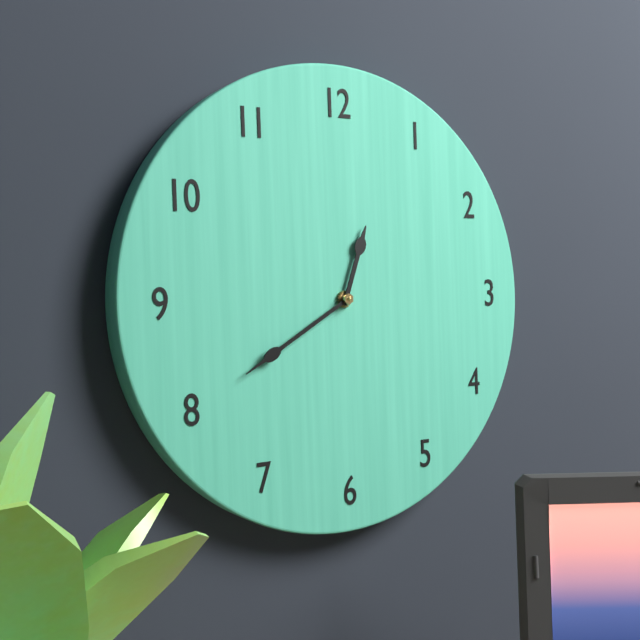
12.40
